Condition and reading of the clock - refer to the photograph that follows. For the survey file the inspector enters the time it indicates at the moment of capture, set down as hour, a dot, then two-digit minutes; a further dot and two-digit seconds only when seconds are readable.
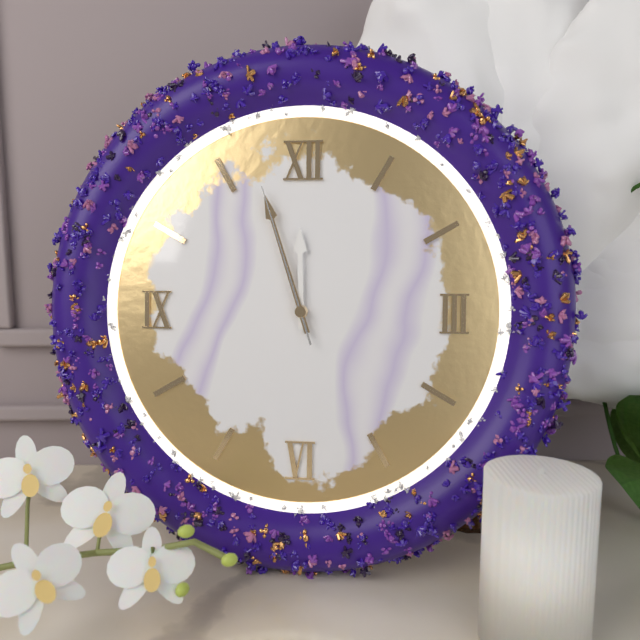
11.57.57
